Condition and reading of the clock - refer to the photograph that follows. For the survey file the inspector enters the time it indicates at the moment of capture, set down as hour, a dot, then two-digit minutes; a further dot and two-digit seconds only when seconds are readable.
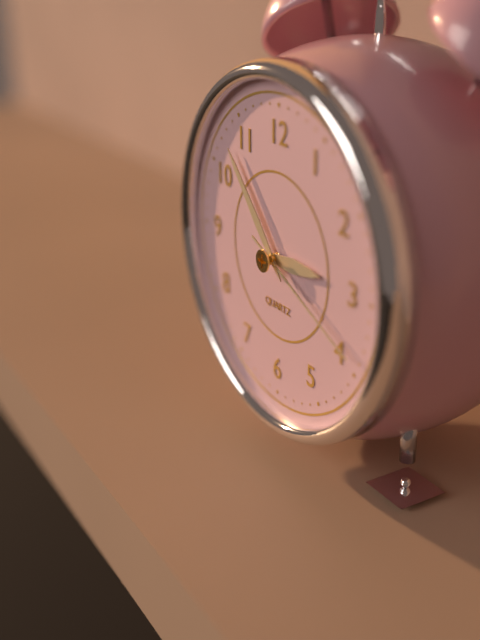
2.53.19
